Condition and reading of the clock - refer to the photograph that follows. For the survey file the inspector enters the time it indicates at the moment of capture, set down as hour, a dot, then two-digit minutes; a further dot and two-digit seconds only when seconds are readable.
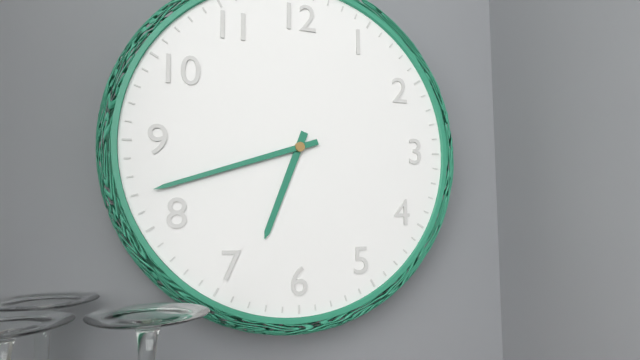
6.42
